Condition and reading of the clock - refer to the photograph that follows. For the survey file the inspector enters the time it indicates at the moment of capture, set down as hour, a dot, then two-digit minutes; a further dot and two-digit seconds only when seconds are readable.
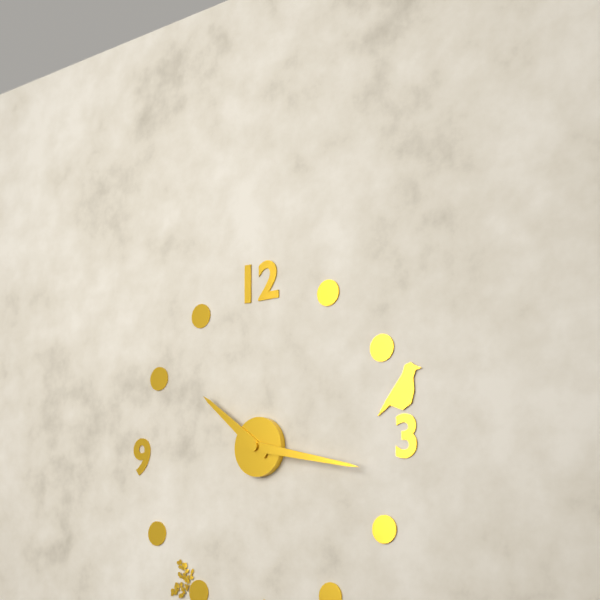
10.17
